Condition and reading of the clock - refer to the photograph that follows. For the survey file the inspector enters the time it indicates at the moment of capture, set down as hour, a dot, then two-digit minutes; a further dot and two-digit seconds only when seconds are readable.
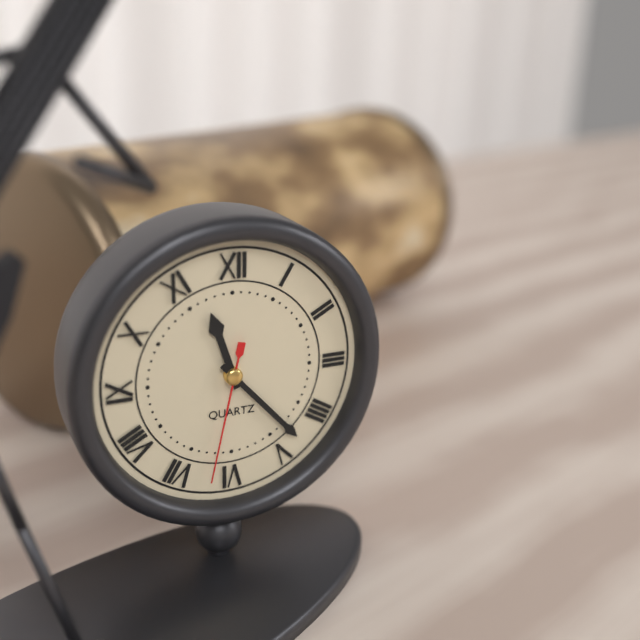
11.23.32
